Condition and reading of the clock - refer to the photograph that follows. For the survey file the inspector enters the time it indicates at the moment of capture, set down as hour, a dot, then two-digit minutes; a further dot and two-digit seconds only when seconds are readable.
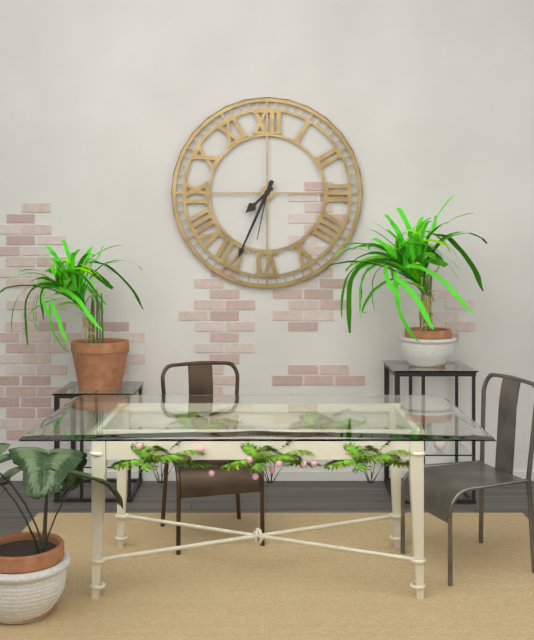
7.34.32
